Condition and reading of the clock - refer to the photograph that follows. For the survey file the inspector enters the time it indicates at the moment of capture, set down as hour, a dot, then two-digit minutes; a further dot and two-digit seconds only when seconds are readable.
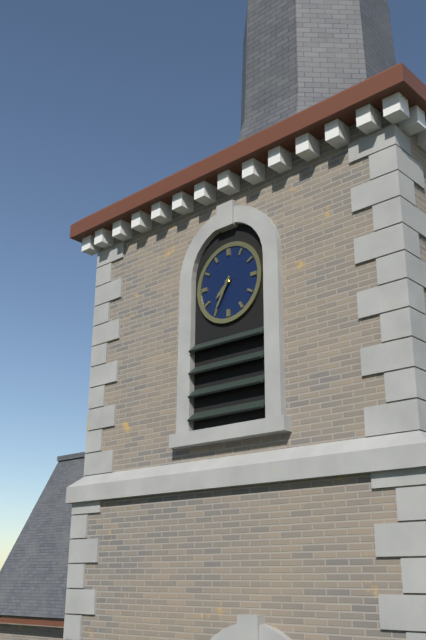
7.35
